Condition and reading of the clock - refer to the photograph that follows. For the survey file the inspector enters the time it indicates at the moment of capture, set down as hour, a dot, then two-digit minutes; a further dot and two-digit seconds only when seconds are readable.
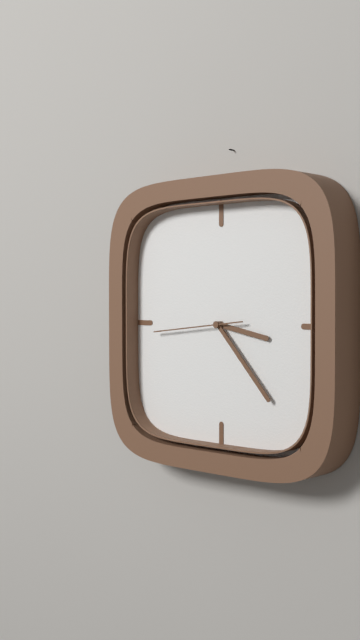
3.23.44
